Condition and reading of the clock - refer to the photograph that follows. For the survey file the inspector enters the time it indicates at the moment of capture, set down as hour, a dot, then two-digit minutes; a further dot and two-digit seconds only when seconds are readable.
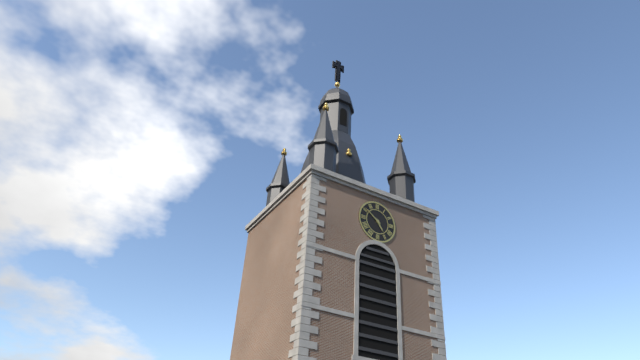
4.51
